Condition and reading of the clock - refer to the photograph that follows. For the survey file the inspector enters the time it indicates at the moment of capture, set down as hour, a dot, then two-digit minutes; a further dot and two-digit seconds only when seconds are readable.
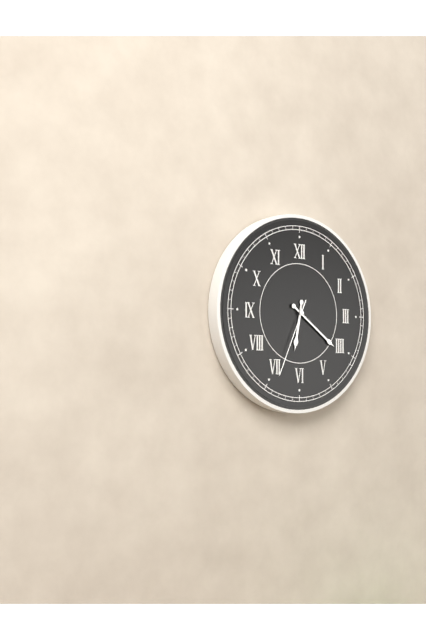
6.21.34
